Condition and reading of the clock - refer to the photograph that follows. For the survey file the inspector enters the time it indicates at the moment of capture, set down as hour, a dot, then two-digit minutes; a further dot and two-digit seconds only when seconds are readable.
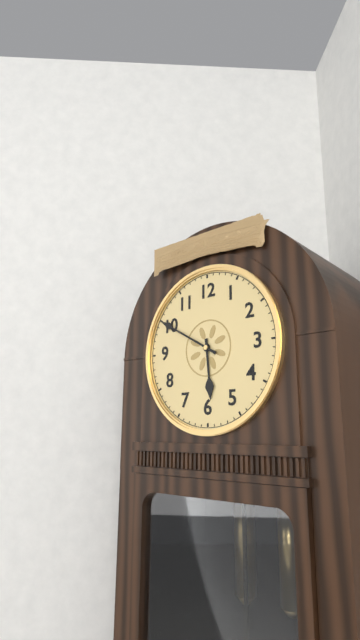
5.50
